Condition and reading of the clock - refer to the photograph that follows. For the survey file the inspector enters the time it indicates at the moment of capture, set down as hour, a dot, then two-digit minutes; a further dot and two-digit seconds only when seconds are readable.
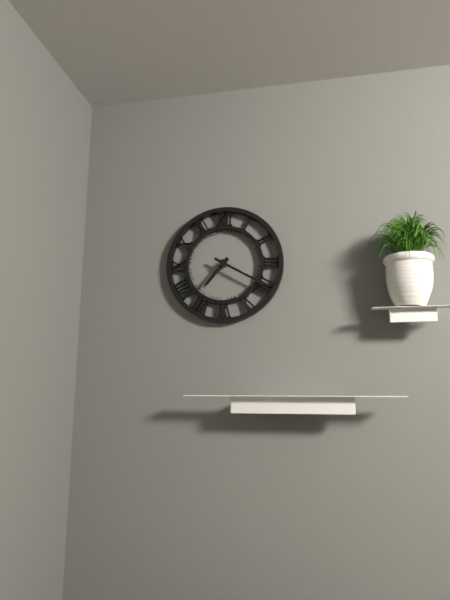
7.20
